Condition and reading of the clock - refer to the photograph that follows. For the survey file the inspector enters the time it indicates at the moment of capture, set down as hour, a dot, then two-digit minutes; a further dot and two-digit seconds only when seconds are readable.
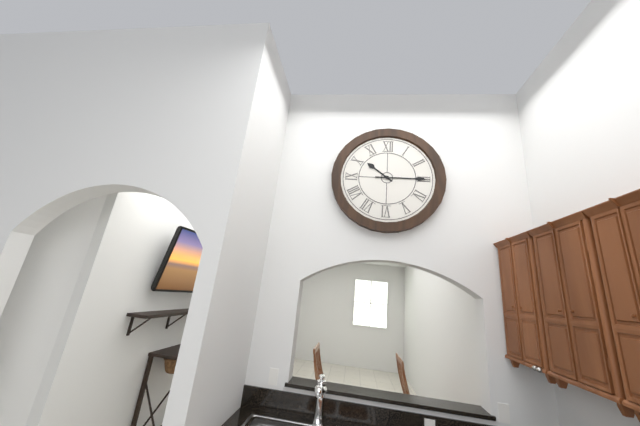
10.15
